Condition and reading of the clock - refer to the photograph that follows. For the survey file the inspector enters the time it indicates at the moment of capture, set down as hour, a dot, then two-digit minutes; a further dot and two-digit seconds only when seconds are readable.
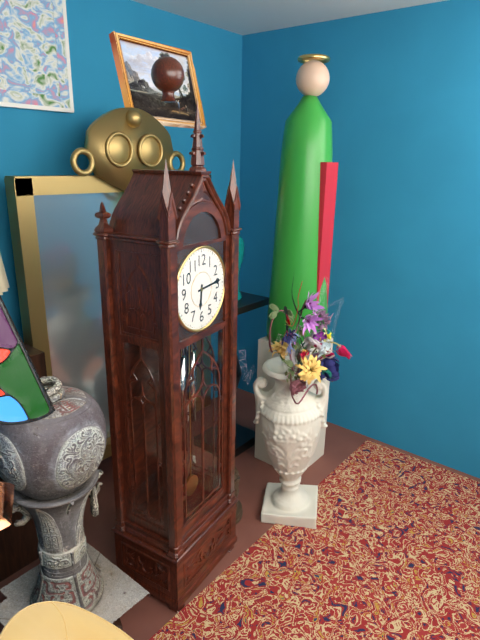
6.14
